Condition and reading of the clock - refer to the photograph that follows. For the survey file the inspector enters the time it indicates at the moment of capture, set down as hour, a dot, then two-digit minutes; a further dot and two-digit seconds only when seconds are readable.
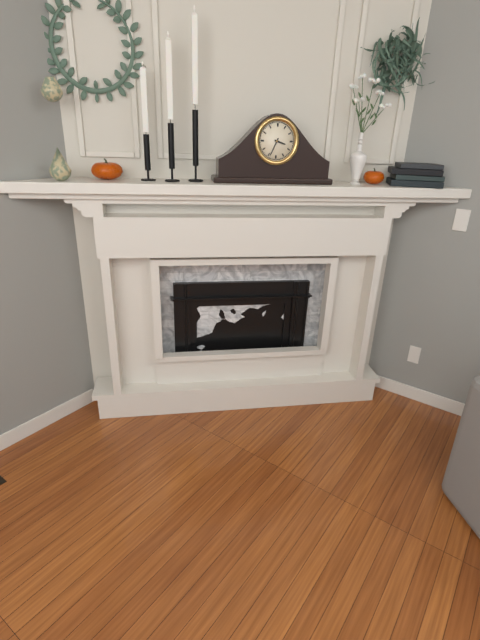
3.34
